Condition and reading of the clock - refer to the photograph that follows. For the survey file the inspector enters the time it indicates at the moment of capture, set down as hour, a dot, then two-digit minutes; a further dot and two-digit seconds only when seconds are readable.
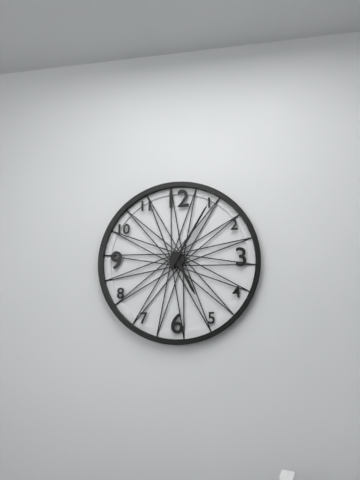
5.05
